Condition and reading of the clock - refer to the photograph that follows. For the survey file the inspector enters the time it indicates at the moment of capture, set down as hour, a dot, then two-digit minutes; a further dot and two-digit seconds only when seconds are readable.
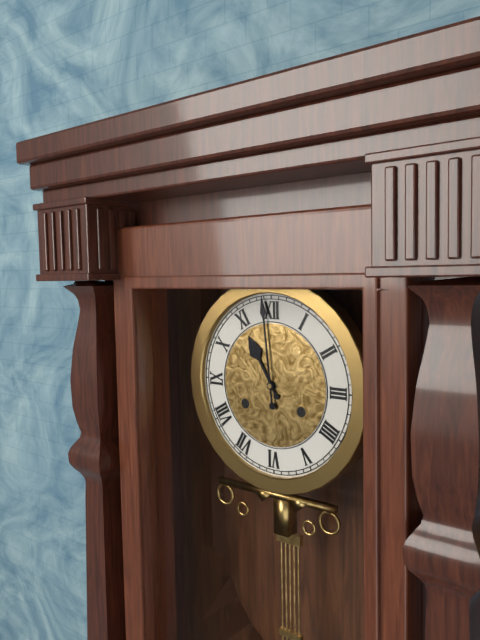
10.59
